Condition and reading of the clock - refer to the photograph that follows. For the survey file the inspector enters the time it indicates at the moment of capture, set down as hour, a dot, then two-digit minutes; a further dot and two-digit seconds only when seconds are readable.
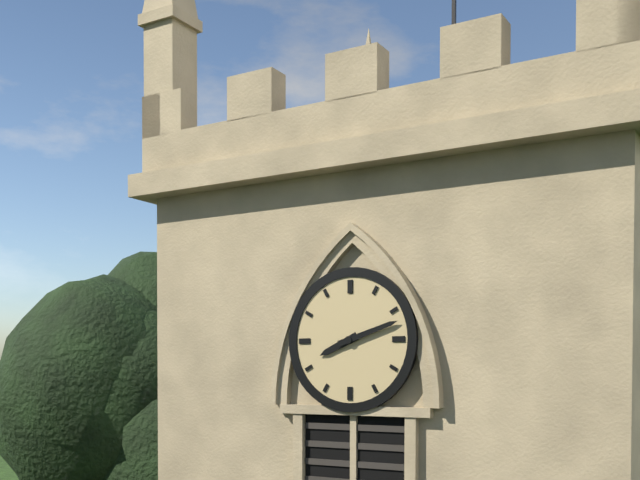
8.12
